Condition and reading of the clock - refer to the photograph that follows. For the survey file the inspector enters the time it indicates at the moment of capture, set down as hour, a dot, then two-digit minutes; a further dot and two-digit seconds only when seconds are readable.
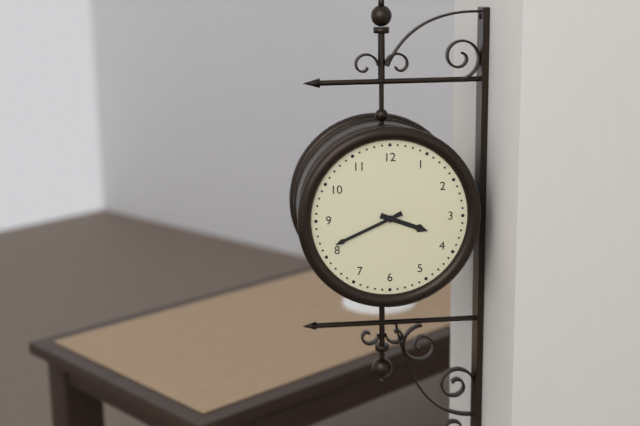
3.41
